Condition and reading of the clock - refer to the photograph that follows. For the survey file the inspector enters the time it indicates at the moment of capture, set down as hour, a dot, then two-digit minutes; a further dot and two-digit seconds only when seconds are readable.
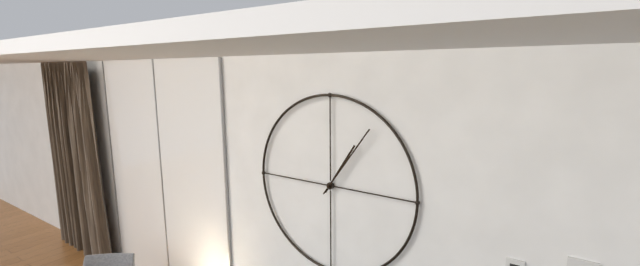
1.06
